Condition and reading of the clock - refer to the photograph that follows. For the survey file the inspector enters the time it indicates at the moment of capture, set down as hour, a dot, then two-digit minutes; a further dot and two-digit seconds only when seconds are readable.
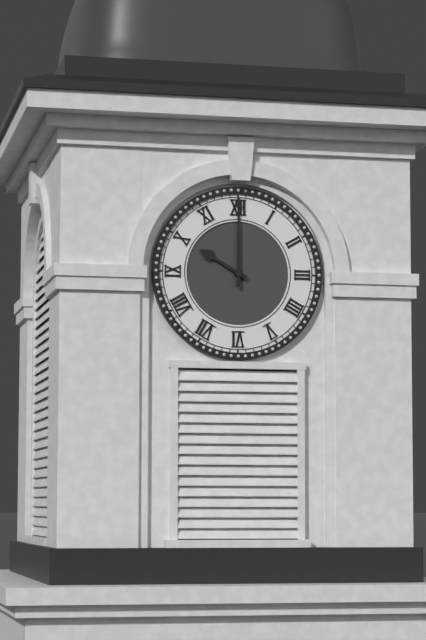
10.00
